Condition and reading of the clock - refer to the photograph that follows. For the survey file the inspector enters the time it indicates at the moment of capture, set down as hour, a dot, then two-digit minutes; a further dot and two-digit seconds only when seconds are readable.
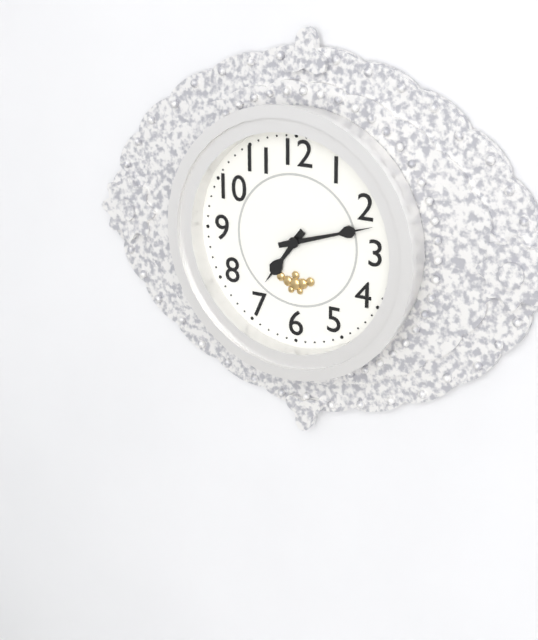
7.12
